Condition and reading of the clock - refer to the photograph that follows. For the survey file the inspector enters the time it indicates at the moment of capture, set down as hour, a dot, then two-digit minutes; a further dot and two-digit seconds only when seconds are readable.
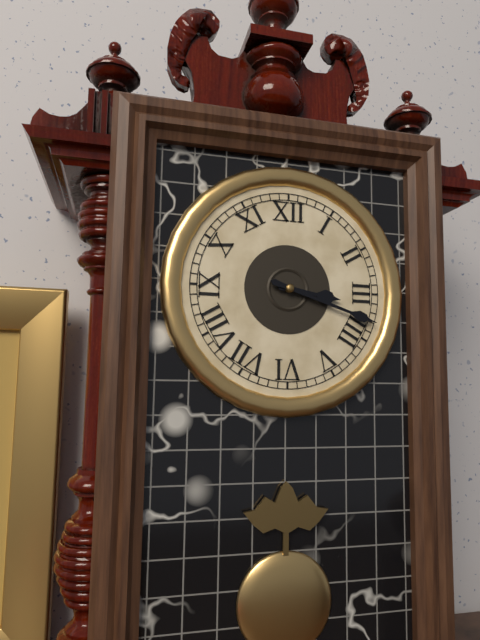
3.18
